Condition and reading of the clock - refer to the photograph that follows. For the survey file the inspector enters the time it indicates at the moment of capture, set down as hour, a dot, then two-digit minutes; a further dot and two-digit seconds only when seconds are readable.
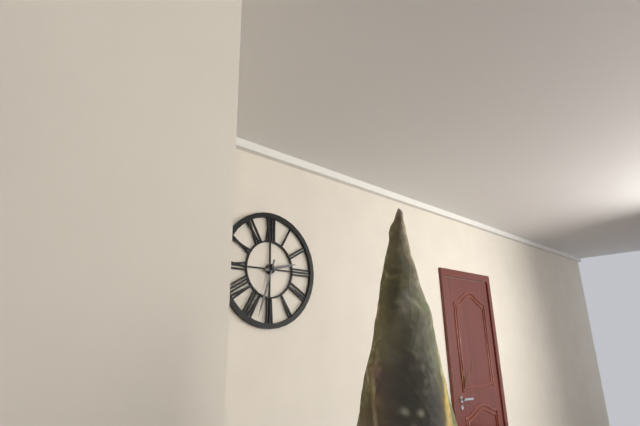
2.33
